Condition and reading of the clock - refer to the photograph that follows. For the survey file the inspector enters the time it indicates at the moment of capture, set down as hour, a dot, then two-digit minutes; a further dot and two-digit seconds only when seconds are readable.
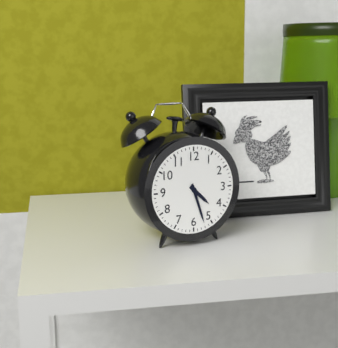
4.27
